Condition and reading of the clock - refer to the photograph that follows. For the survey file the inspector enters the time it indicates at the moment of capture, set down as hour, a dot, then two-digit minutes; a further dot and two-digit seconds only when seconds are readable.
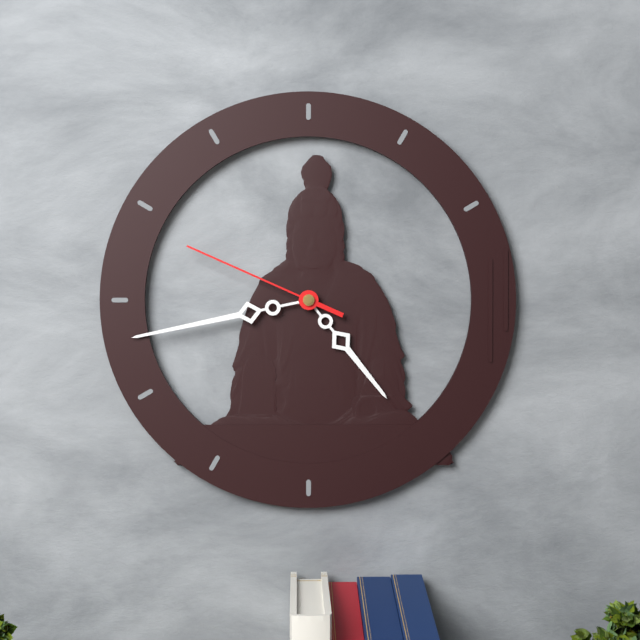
4.43.49
